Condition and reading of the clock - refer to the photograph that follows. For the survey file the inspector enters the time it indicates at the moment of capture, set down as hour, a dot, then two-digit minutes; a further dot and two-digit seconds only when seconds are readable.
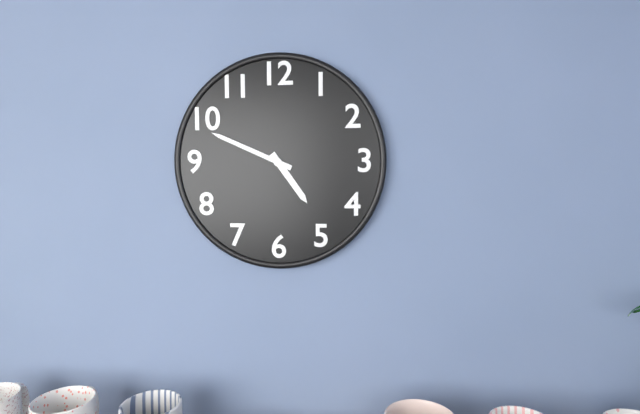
4.49
